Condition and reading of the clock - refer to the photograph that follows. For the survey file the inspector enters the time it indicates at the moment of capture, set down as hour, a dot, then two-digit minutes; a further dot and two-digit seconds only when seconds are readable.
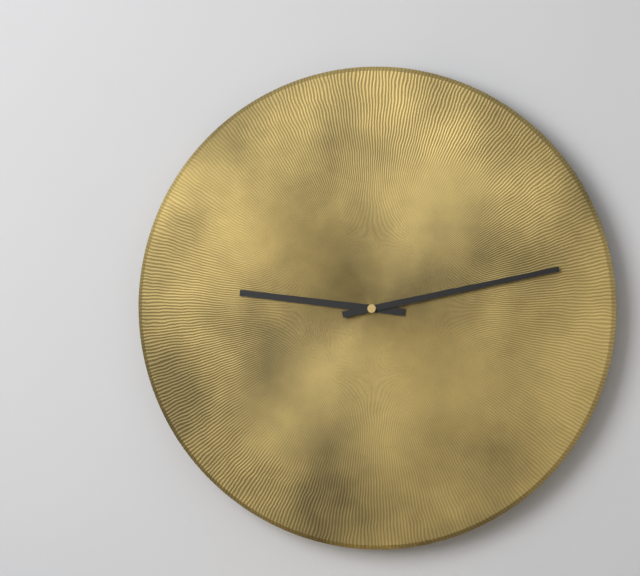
9.13
